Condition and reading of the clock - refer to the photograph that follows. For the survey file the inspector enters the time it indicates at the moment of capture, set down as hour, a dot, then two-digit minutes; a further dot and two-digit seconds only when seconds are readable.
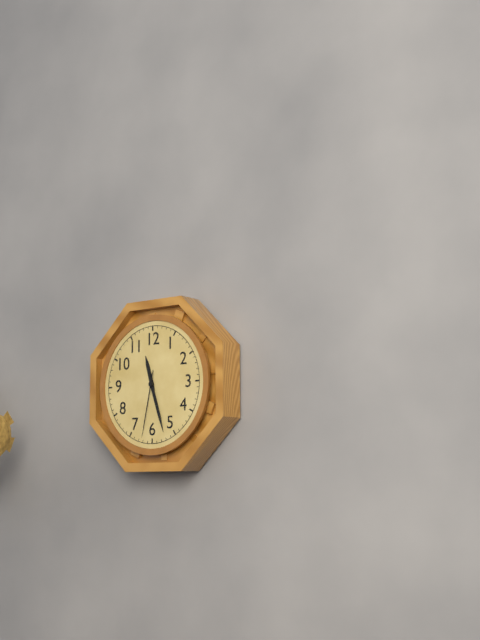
11.27.32
